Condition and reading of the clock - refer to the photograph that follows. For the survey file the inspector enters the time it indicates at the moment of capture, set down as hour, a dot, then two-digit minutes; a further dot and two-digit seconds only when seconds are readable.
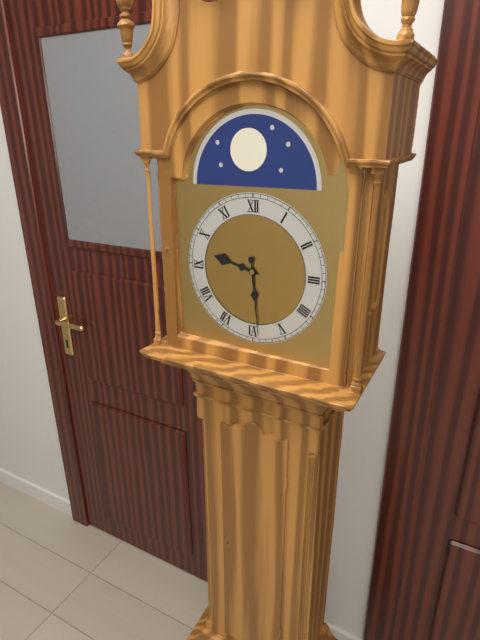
9.29
